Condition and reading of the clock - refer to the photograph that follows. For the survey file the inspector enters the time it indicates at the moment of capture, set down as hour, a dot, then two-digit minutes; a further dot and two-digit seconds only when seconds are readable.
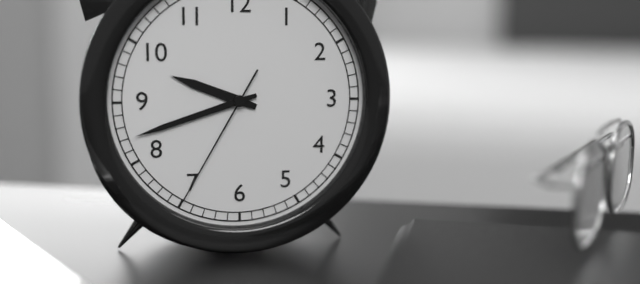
9.42.35
